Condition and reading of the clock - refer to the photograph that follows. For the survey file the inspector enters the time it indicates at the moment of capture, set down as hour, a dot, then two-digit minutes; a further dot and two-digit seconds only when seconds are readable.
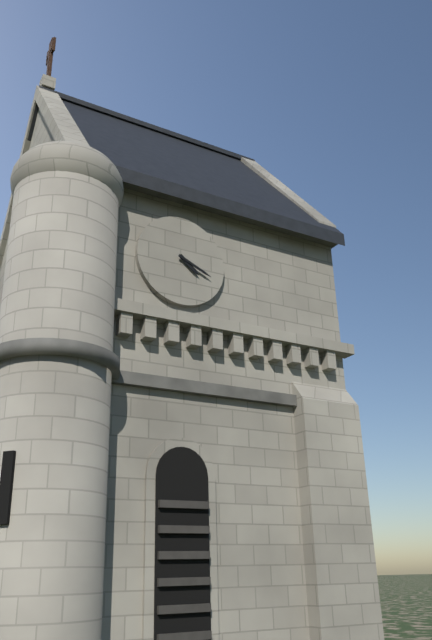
4.19
